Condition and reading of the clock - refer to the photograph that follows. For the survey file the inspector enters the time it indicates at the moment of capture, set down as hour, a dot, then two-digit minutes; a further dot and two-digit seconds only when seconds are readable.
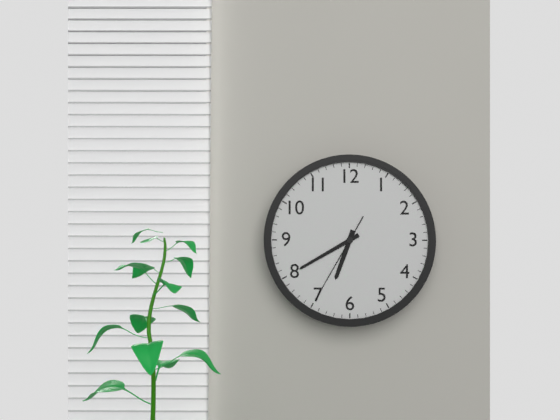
6.40.35
